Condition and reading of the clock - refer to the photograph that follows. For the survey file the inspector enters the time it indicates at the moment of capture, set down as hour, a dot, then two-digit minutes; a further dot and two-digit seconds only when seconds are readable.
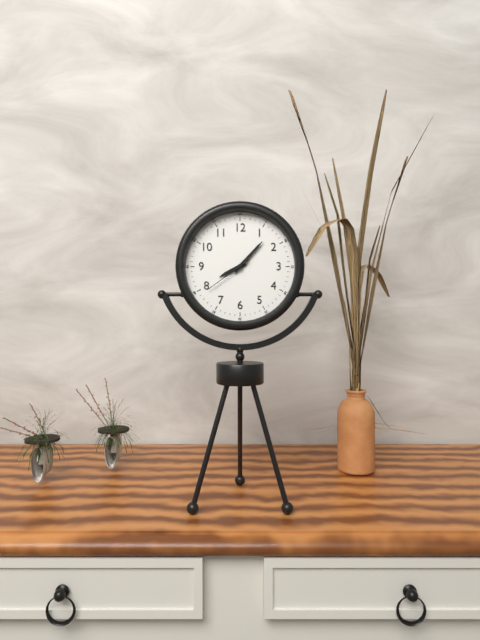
8.07
